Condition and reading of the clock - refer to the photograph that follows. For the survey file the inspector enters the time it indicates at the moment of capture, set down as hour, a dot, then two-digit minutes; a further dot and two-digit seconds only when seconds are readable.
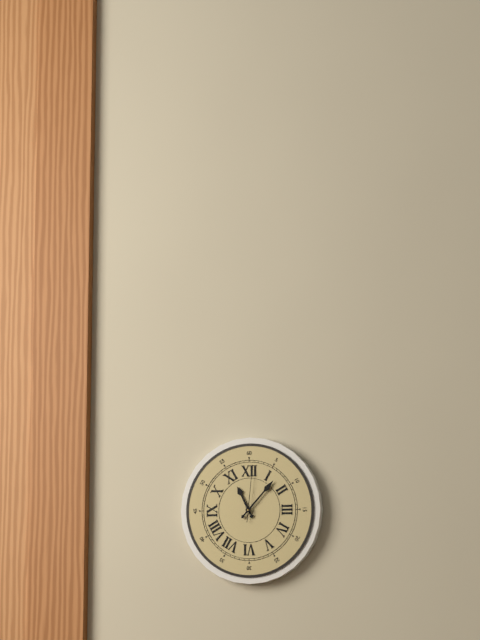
11.07.01
